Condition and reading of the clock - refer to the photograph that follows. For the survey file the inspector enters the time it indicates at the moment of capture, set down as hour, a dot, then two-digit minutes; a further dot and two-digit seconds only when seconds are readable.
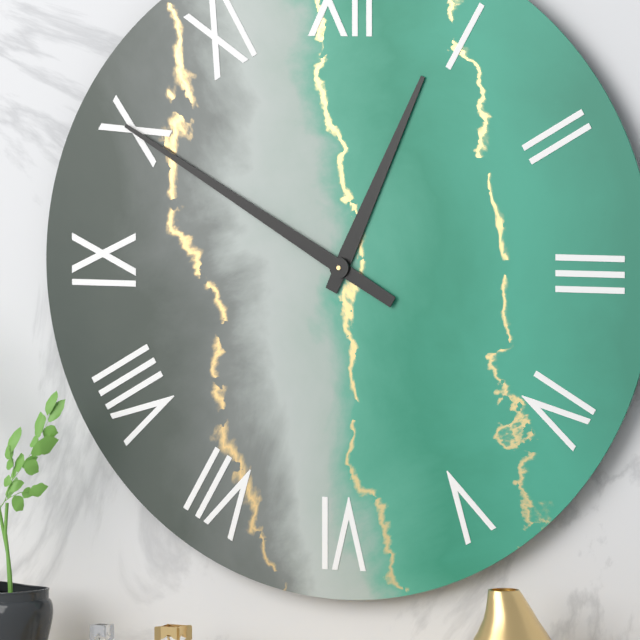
12.50
